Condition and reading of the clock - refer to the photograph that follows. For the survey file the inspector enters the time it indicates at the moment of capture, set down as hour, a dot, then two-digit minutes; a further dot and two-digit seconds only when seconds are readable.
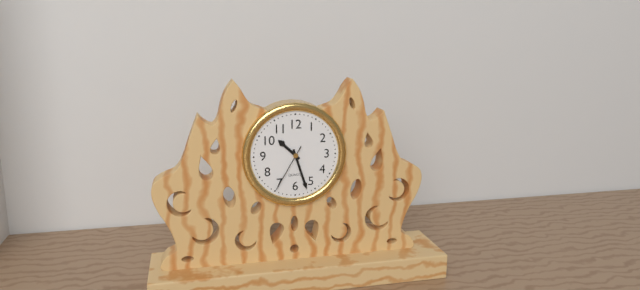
10.27.35
